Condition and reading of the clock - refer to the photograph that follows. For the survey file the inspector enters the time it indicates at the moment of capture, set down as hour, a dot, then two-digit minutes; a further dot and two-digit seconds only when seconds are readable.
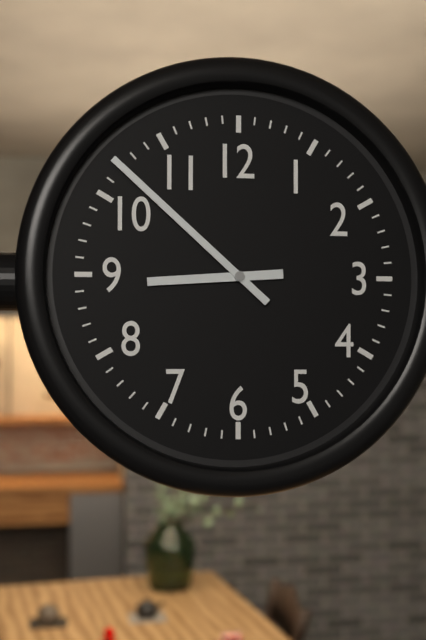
8.52
